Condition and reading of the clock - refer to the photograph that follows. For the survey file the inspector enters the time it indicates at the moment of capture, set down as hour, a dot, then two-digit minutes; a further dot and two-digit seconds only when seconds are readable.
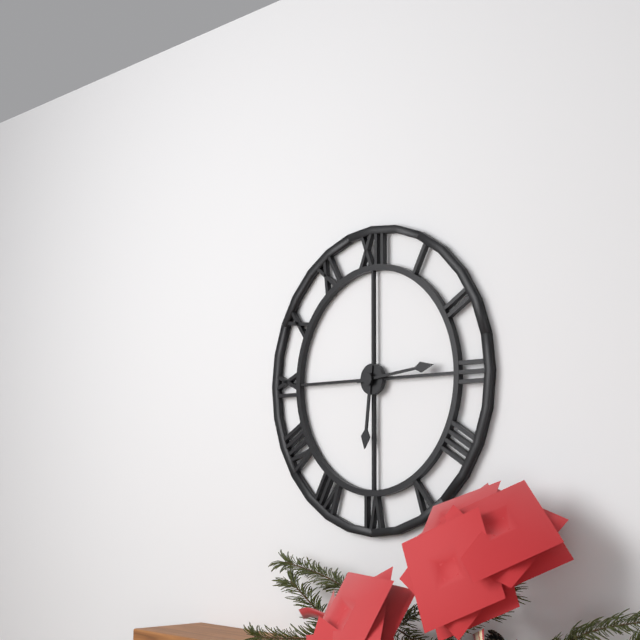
6.14
